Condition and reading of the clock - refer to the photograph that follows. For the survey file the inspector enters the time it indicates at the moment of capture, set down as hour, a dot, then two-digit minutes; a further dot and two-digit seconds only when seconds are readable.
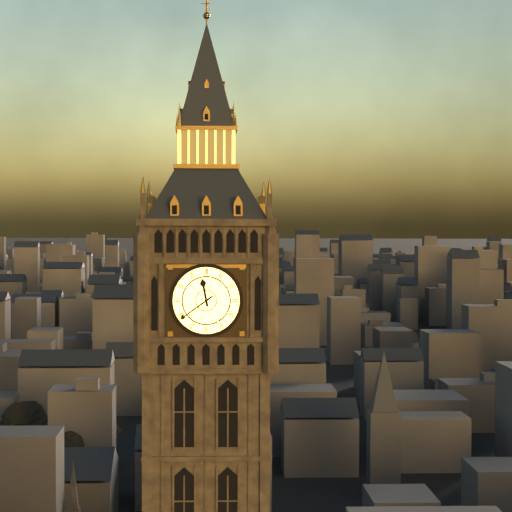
11.39
